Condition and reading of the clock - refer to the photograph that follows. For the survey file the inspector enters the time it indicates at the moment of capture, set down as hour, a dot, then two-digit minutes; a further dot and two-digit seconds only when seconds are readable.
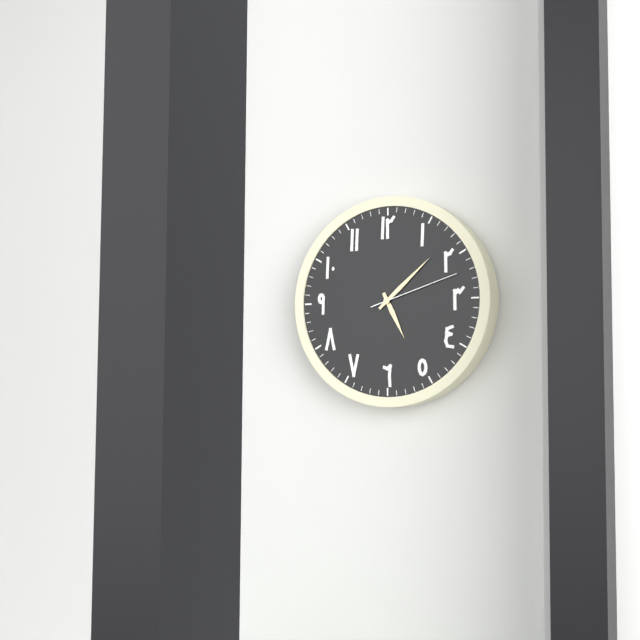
5.08.12
